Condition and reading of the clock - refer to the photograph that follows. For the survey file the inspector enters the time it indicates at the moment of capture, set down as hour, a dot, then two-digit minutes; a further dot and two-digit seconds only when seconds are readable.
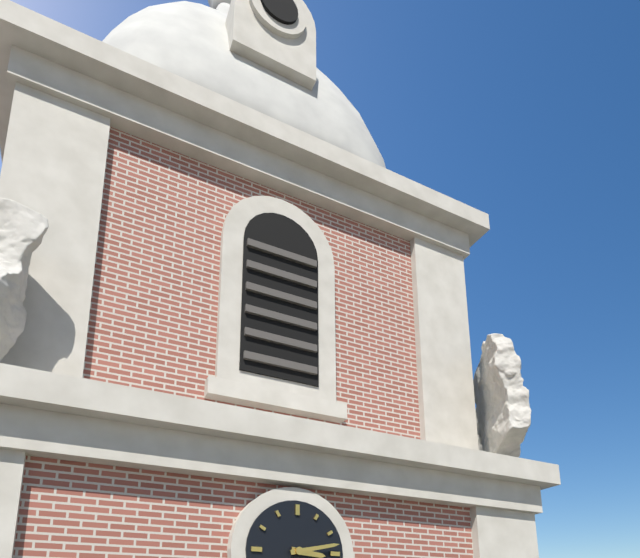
3.13
